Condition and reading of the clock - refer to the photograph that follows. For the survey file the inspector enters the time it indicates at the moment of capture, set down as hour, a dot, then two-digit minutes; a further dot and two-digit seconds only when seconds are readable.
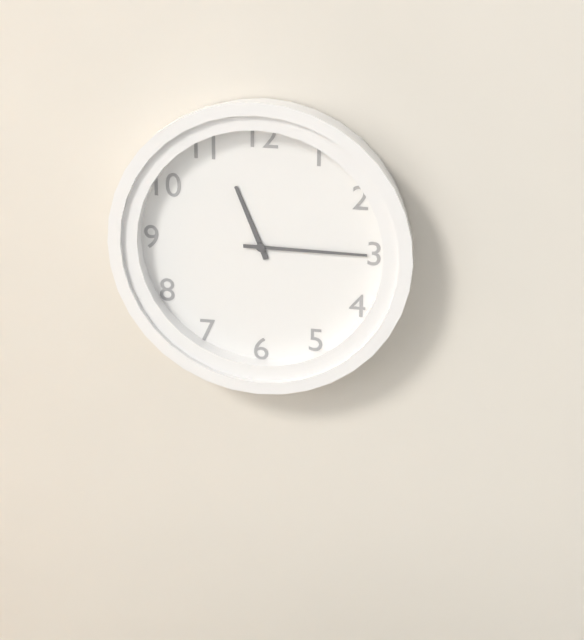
11.15
